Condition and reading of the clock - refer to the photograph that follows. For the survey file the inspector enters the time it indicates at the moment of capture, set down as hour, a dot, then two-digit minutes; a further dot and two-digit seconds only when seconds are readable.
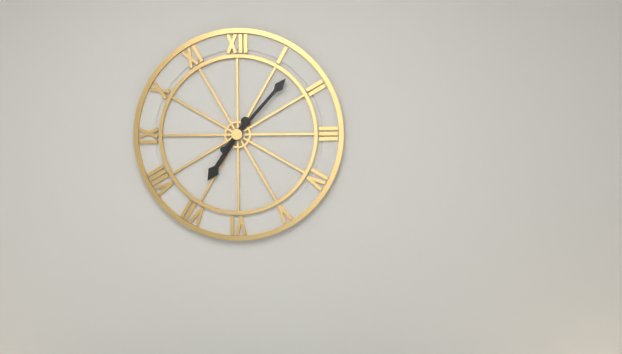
7.07
